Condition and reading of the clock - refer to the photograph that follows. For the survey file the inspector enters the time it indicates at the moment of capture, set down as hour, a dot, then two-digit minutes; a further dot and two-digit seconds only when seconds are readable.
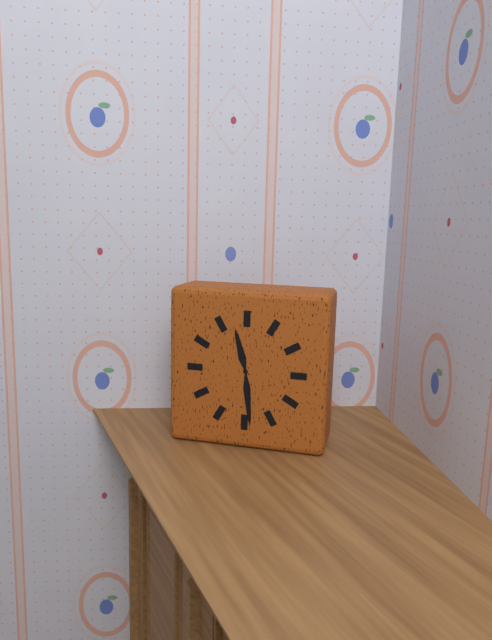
11.29
